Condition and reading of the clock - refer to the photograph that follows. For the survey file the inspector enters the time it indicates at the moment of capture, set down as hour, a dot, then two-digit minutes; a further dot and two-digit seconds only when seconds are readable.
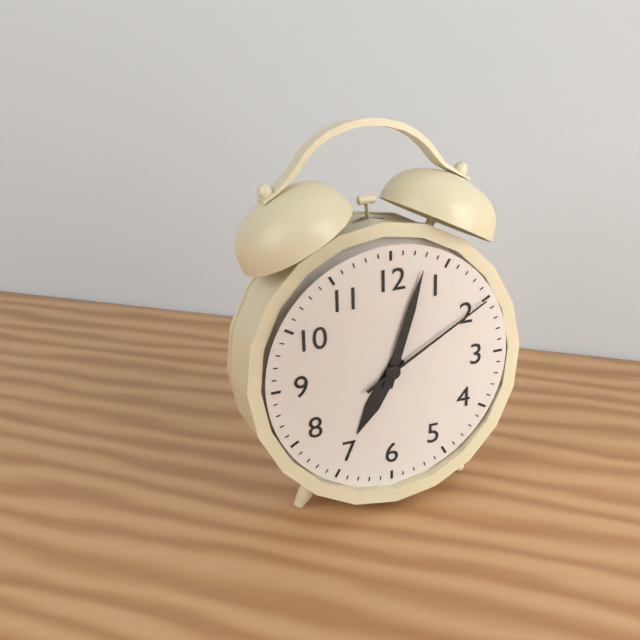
7.03.10
